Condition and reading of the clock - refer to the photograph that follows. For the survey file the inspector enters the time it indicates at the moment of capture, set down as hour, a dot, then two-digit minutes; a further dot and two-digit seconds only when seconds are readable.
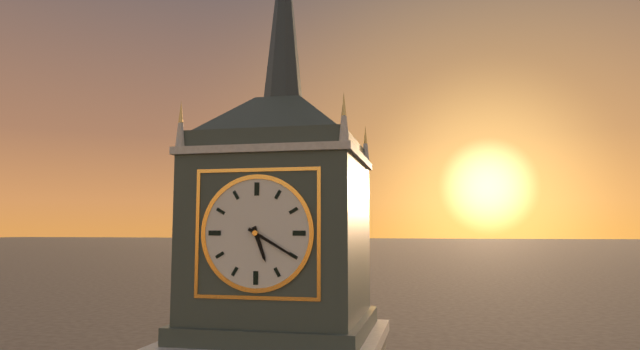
5.20
